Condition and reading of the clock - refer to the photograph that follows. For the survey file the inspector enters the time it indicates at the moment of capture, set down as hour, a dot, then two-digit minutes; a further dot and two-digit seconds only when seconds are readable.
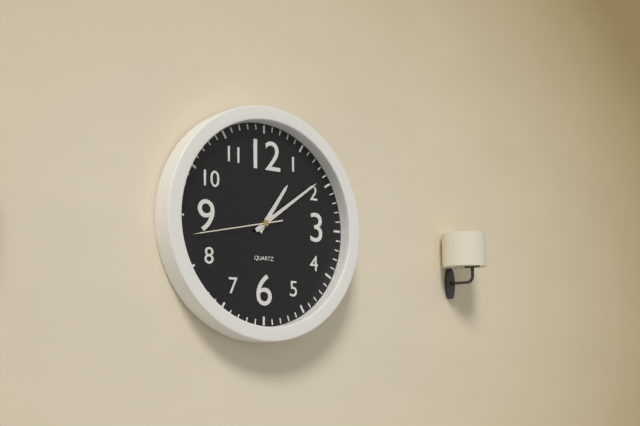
1.09.43
